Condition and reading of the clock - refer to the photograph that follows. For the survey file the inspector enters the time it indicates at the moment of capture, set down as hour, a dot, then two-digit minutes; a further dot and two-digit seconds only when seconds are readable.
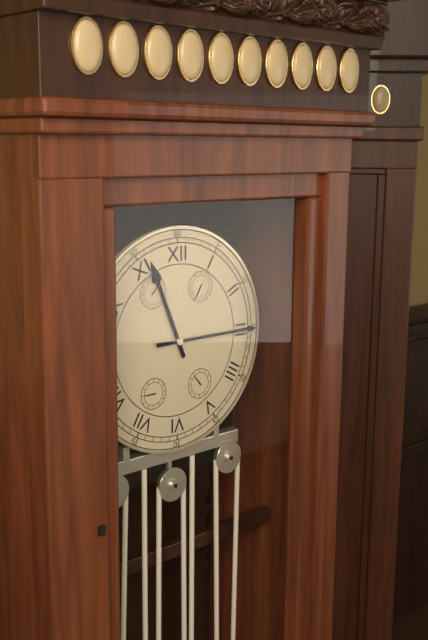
11.15
